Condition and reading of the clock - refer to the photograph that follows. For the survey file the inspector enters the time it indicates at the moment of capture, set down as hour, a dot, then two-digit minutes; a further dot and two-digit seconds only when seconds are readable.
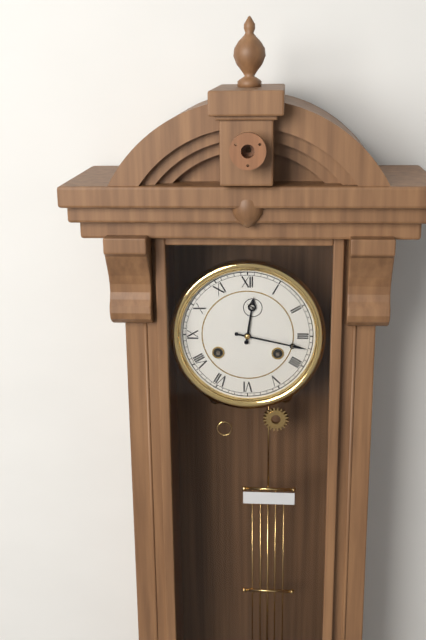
12.17
